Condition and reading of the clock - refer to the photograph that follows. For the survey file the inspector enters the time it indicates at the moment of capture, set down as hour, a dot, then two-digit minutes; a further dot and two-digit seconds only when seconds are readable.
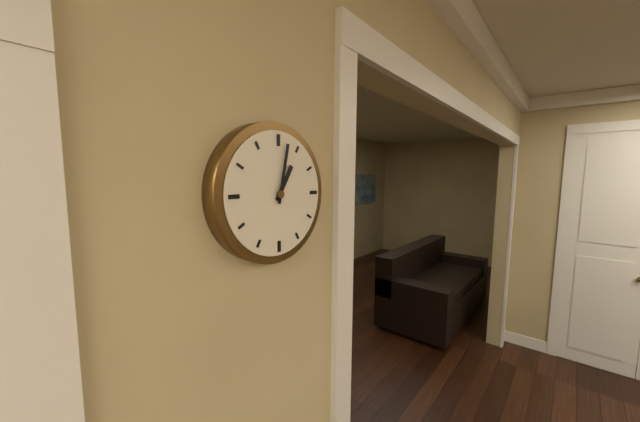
1.02
